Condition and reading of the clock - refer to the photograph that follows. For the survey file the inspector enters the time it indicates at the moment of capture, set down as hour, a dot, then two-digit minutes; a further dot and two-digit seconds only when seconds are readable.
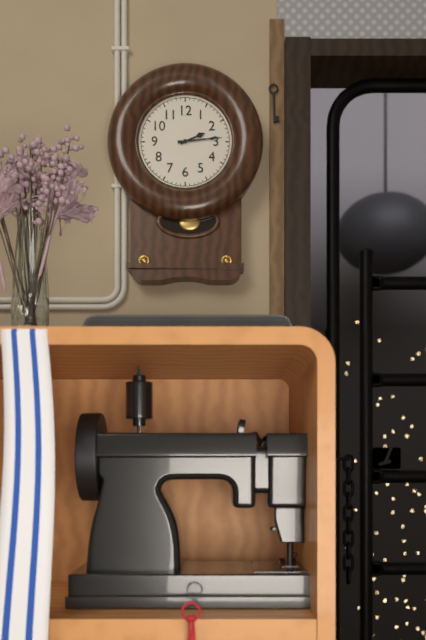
2.14
